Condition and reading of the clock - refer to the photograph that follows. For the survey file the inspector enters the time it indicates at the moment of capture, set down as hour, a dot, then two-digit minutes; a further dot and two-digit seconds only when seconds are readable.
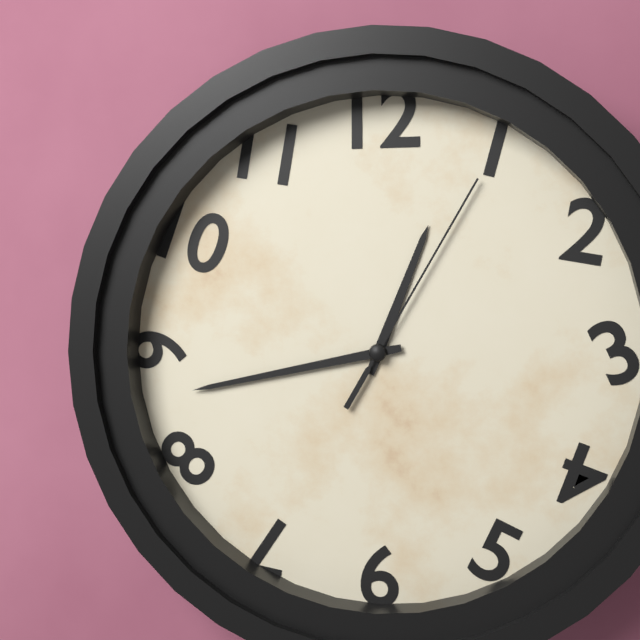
12.43.05
